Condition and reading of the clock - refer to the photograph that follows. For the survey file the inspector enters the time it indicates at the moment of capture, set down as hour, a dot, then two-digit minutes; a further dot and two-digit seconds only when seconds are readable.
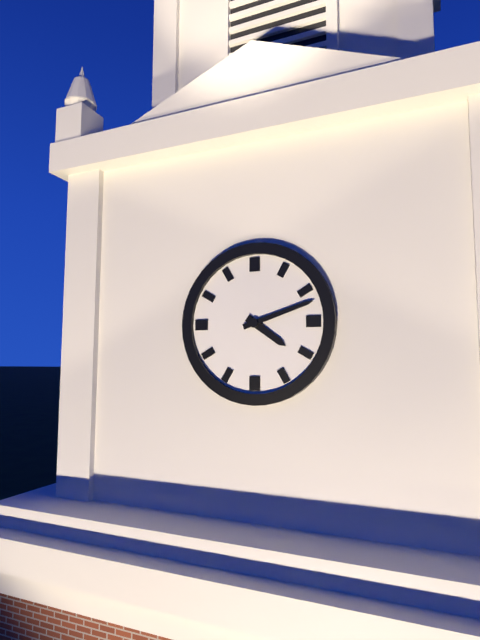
4.12
